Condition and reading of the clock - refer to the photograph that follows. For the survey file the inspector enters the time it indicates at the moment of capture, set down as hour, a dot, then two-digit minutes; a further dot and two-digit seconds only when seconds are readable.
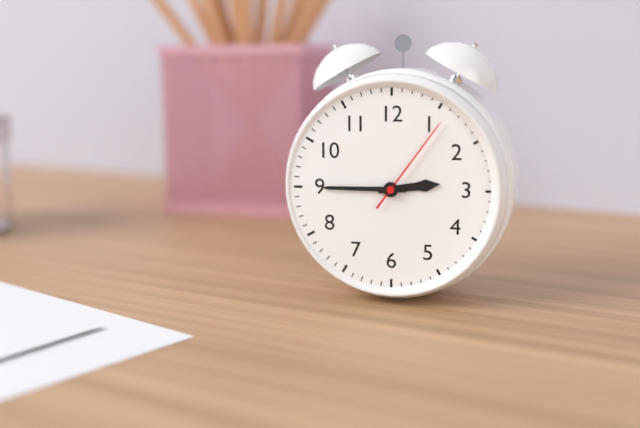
2.45.06
